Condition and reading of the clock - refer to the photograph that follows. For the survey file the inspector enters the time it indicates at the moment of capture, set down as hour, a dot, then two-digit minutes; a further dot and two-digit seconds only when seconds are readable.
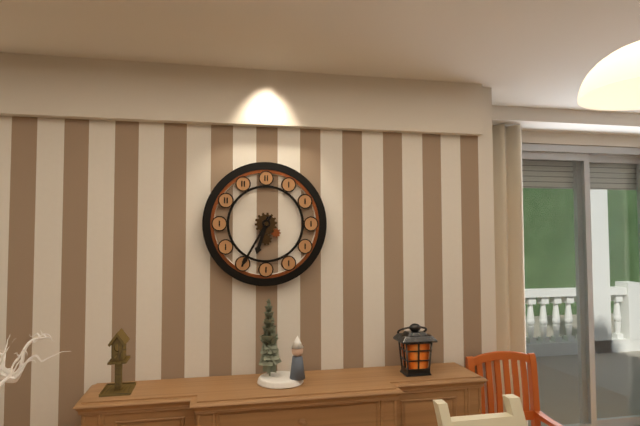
6.35
